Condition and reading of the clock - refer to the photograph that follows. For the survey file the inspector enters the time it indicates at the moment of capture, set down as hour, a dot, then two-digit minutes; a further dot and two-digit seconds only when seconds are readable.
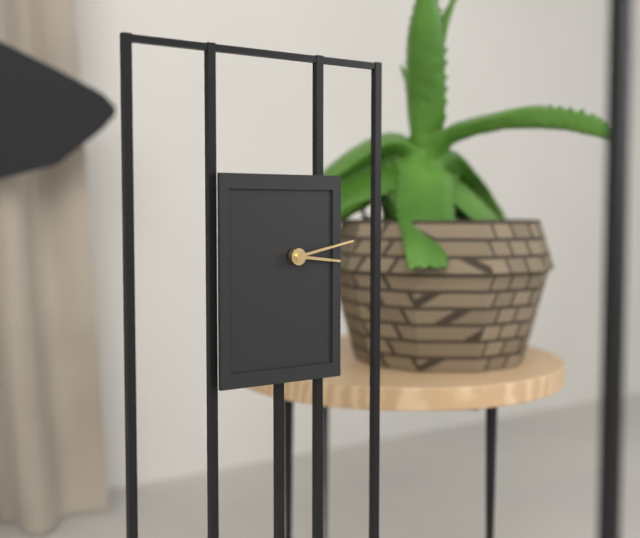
3.13
